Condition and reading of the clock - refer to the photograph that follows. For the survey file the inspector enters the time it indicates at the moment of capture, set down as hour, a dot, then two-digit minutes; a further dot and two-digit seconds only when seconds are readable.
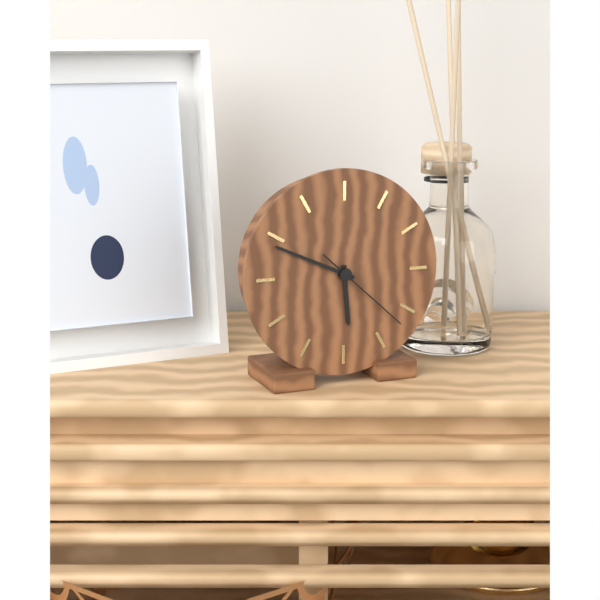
5.49.22
